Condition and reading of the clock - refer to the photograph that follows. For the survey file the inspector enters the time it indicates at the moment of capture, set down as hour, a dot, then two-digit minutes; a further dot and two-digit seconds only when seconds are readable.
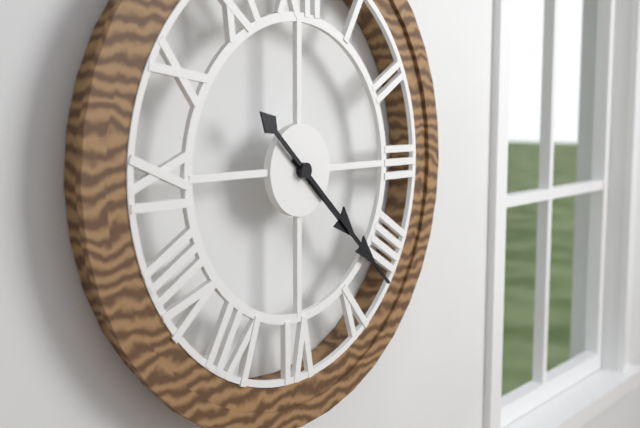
4.22
